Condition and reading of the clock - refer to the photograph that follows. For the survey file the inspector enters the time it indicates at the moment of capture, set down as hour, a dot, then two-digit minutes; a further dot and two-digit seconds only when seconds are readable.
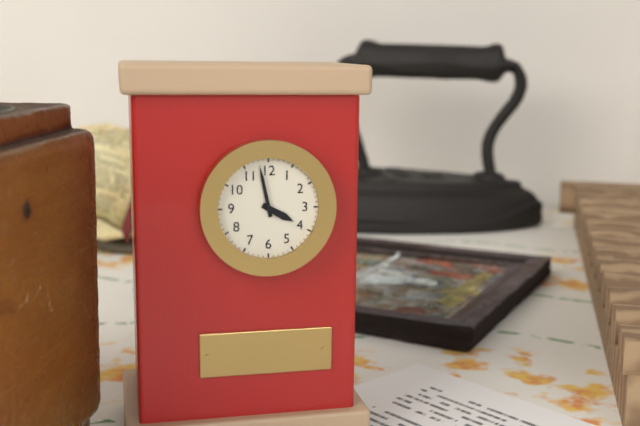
3.58
